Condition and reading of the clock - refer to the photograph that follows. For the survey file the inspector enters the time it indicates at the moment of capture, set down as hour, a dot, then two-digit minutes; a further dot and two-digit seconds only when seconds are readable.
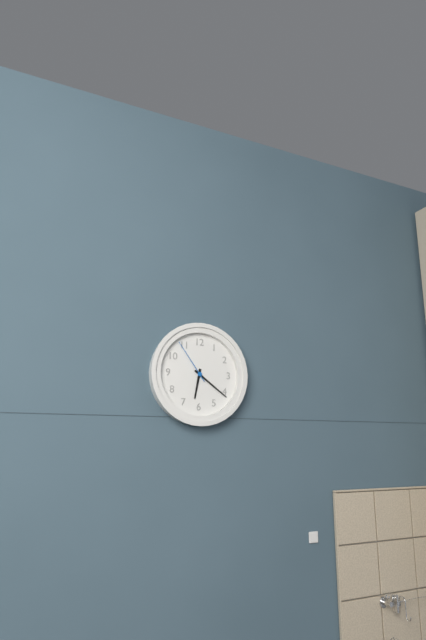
6.21
